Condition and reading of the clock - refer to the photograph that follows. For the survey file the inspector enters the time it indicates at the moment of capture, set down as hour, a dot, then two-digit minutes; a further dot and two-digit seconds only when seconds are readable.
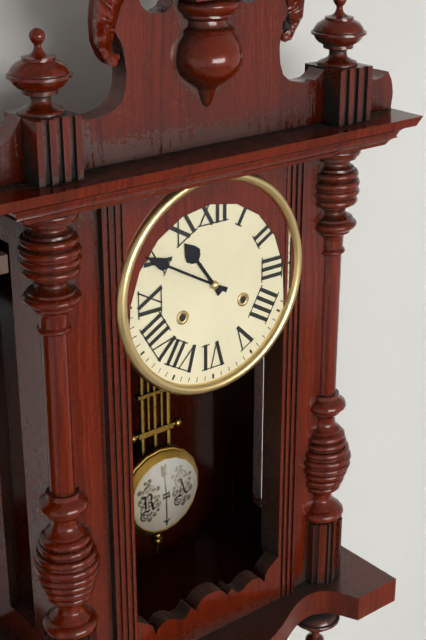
10.50
